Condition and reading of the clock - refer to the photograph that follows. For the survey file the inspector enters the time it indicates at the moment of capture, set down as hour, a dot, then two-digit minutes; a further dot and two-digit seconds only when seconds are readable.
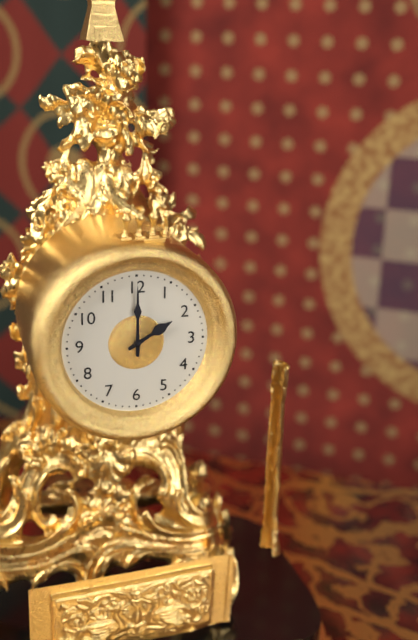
2.00
